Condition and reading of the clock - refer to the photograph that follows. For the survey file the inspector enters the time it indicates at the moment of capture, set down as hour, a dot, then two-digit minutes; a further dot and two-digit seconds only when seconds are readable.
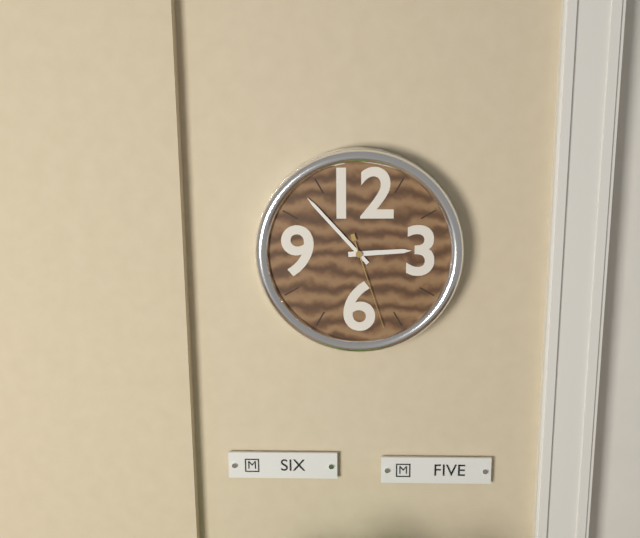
2.53.27
